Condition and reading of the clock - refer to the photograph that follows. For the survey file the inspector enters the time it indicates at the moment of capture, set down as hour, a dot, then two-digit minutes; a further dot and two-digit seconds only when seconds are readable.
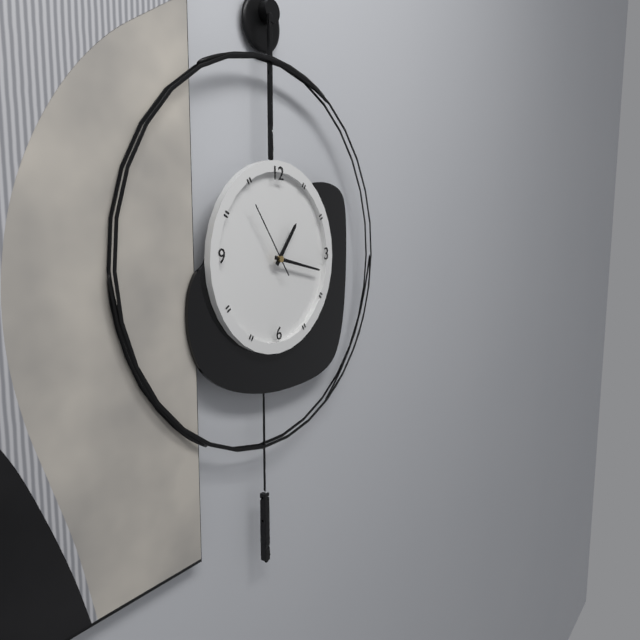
1.17.54
